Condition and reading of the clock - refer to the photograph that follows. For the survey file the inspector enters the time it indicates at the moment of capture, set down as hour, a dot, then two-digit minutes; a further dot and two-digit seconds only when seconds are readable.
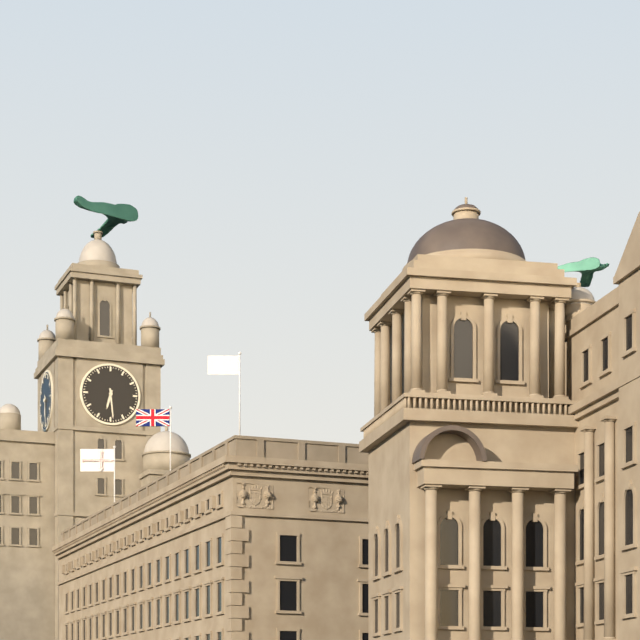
6.29
